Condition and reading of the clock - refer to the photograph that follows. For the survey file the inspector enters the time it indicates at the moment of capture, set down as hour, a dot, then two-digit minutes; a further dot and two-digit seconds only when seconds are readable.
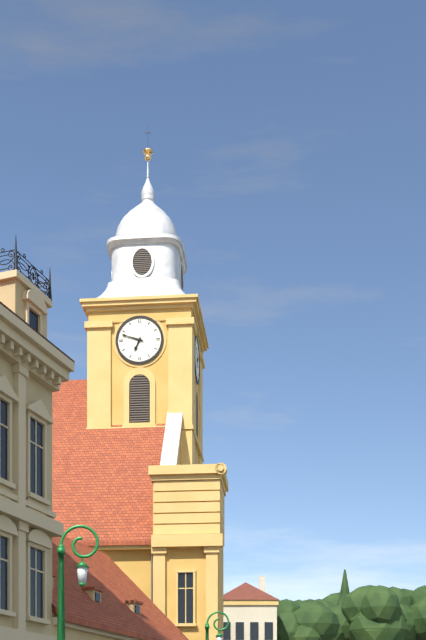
6.48
